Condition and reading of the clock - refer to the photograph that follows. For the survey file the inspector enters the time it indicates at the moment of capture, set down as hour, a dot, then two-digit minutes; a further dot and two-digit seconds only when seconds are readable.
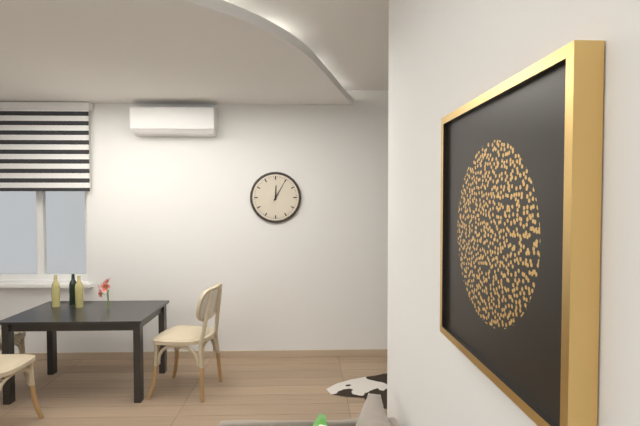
12.05
